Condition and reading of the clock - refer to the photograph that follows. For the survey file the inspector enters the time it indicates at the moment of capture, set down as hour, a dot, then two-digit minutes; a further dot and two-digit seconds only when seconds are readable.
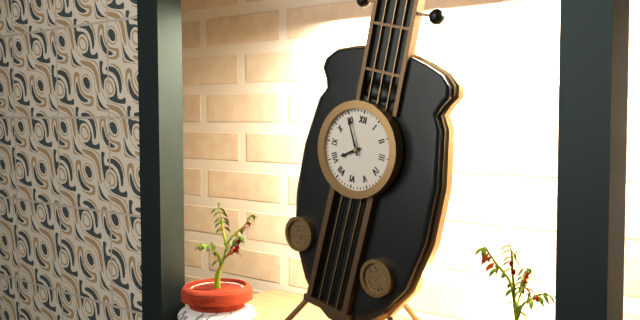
7.55
